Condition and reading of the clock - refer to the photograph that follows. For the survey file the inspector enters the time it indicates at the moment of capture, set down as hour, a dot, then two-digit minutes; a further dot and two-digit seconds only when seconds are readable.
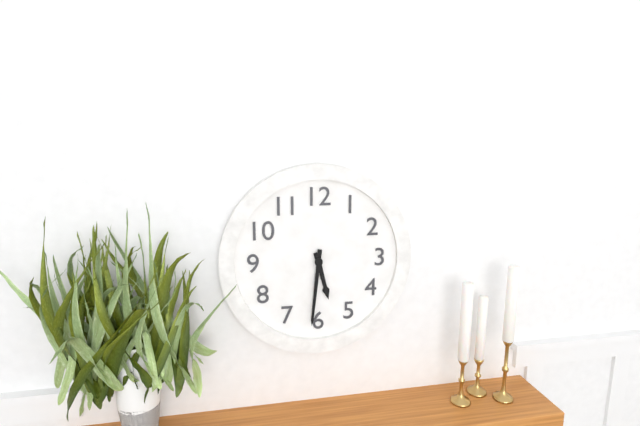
5.31
